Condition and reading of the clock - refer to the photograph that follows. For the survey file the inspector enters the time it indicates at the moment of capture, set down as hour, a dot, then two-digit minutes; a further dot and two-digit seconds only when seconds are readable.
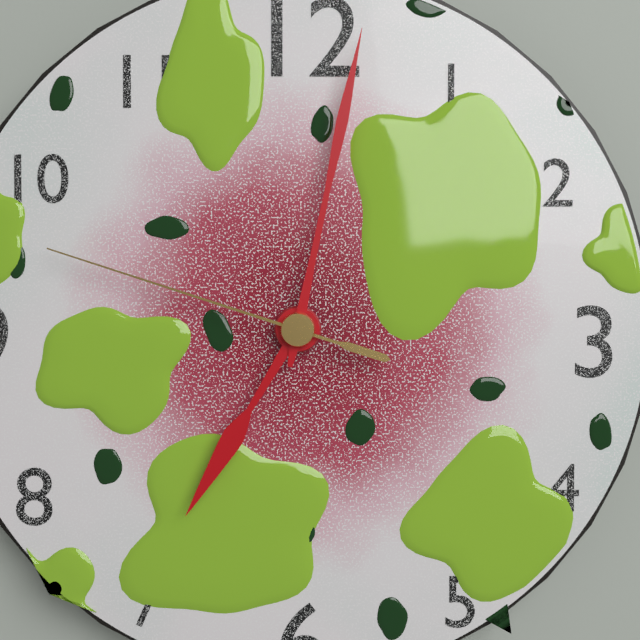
7.02.48
